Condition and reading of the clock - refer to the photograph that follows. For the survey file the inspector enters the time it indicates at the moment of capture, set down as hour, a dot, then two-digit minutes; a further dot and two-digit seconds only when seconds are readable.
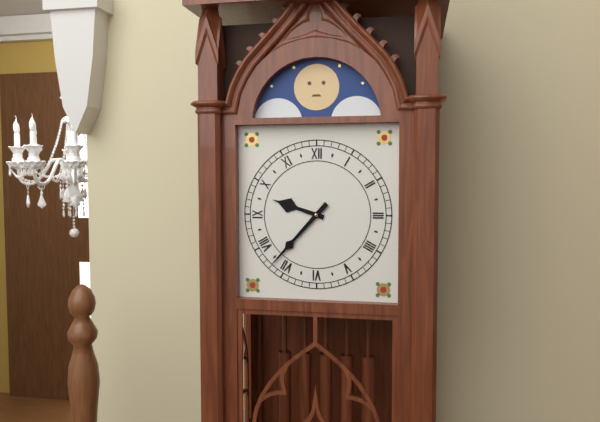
9.37
